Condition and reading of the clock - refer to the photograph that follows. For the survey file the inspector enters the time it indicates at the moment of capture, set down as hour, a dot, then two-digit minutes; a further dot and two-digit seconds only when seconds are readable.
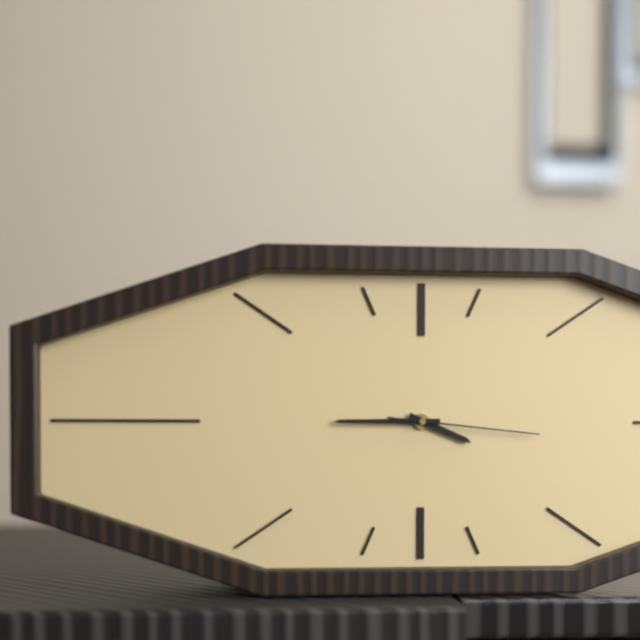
3.45.16
